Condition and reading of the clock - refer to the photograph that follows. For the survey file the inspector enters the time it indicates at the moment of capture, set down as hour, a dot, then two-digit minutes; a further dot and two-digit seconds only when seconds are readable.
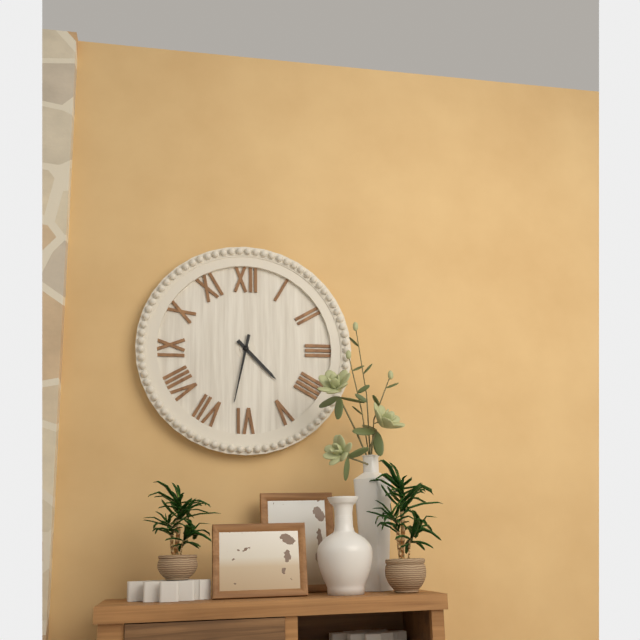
4.32
